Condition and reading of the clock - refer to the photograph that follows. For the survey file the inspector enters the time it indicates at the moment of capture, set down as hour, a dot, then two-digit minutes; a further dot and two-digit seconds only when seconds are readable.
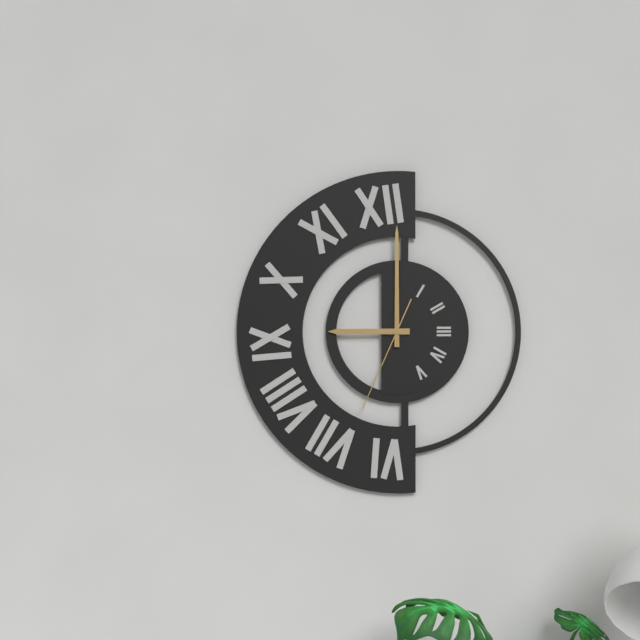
9.00.34
